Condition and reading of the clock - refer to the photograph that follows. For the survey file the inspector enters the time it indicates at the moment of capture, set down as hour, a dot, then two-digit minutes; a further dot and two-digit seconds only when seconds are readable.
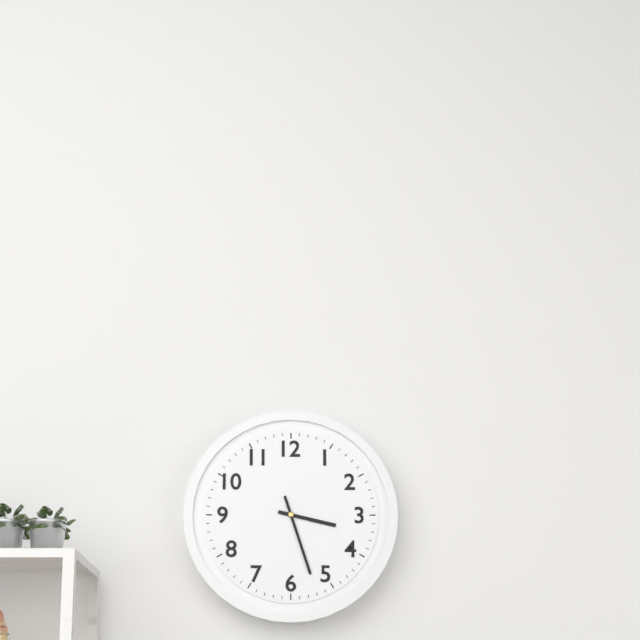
3.27
